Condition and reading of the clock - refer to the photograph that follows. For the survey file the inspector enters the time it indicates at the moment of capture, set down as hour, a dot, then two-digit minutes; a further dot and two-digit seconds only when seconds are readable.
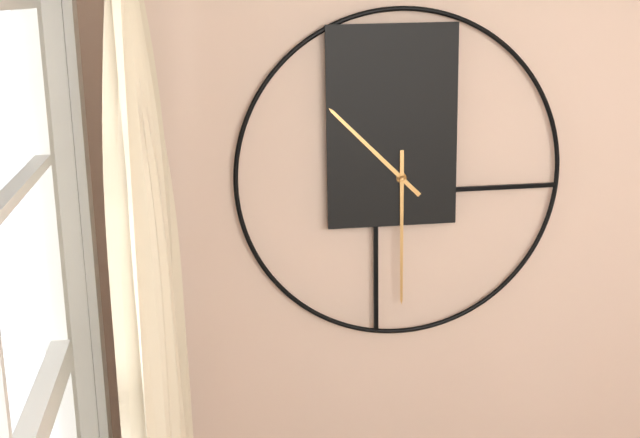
10.30
